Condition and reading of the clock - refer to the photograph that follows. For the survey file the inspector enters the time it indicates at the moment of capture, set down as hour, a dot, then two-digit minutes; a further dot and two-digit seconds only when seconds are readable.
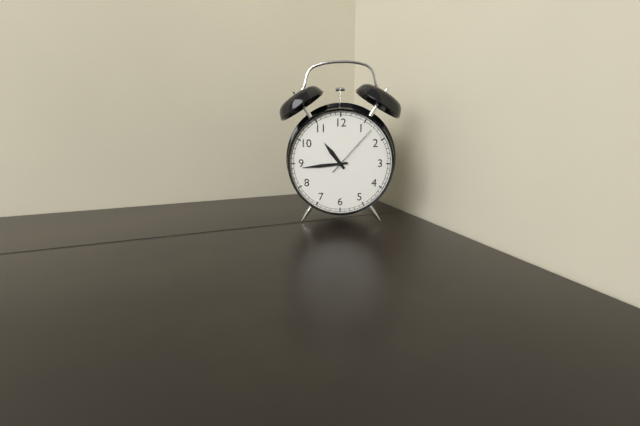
10.44.07
